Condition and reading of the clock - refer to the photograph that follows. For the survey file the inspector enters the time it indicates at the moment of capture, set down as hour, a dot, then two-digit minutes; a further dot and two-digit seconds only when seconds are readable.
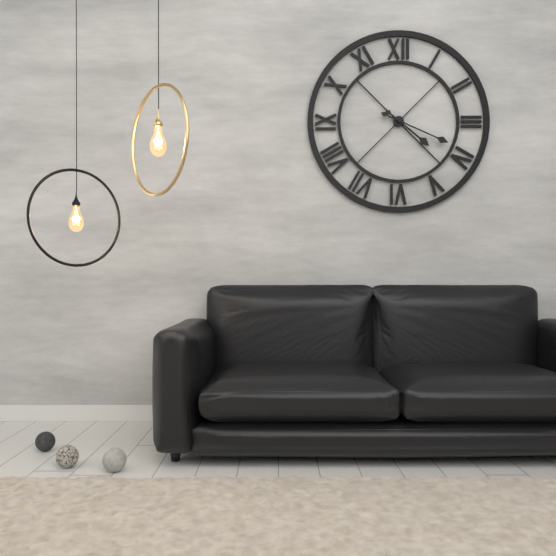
4.19
